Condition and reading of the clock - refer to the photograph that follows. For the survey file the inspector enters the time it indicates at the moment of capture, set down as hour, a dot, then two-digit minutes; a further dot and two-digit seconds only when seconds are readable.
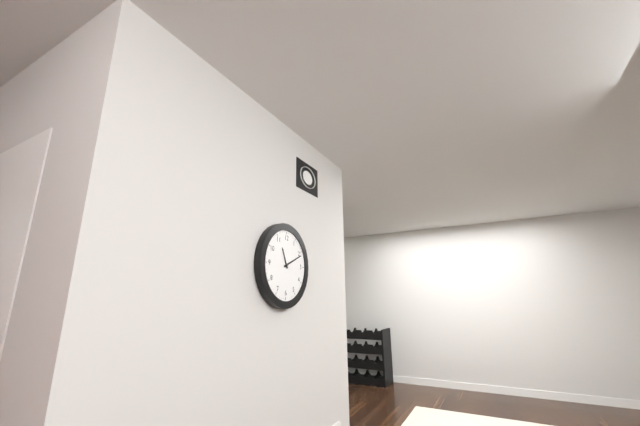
11.11
